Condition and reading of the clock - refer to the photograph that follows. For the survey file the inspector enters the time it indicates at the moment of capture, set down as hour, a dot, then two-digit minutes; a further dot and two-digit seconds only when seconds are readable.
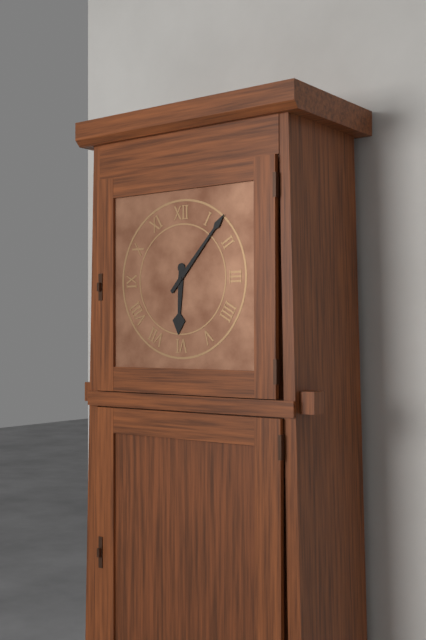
6.07
